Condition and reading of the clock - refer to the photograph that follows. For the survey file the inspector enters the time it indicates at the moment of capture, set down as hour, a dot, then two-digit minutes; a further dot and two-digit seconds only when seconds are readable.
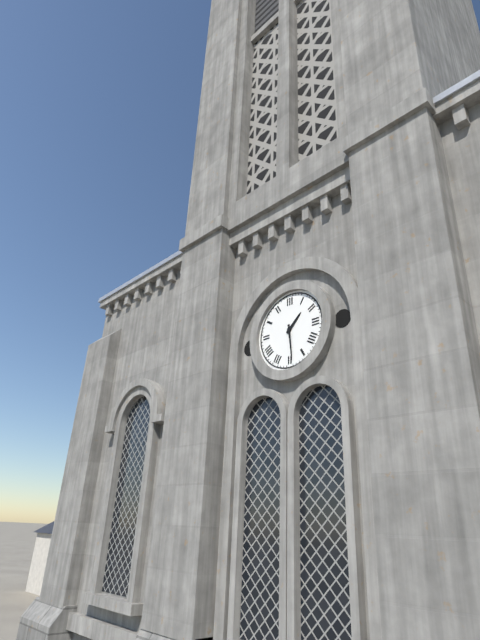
1.29
